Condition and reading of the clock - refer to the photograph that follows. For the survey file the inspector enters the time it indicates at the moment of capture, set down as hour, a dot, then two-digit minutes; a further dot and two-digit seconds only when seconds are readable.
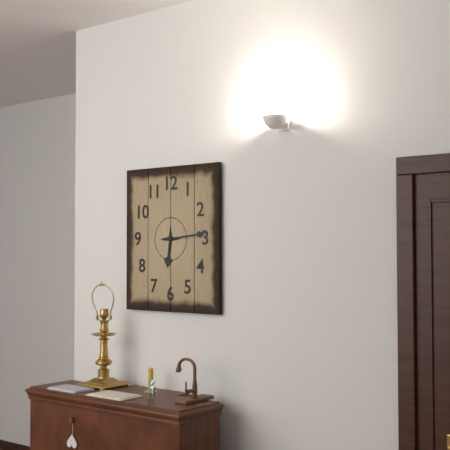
6.14
